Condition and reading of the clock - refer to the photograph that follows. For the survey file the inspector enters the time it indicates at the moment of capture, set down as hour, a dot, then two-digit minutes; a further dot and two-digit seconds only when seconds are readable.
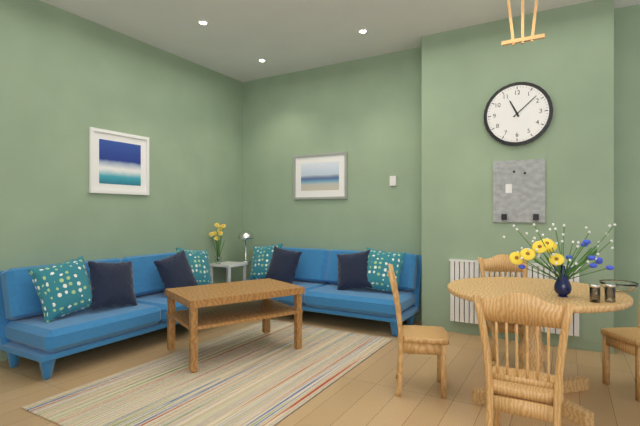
11.08
